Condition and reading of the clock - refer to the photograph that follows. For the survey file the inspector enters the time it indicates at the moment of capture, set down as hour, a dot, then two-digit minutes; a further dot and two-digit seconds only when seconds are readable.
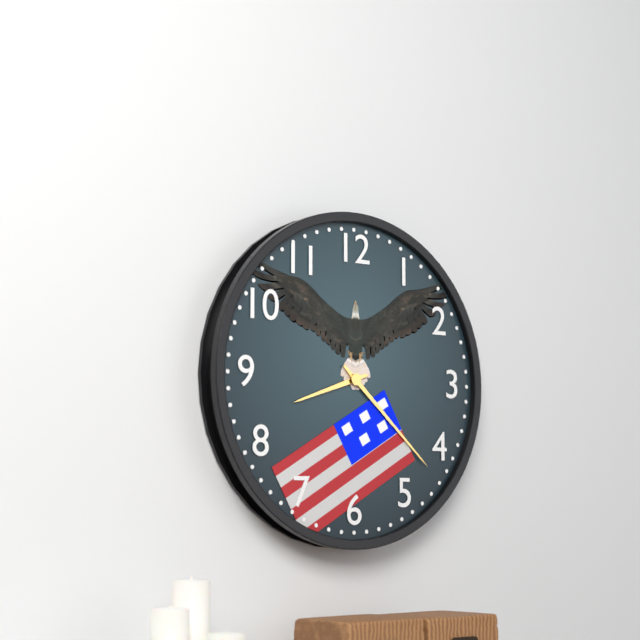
8.22
